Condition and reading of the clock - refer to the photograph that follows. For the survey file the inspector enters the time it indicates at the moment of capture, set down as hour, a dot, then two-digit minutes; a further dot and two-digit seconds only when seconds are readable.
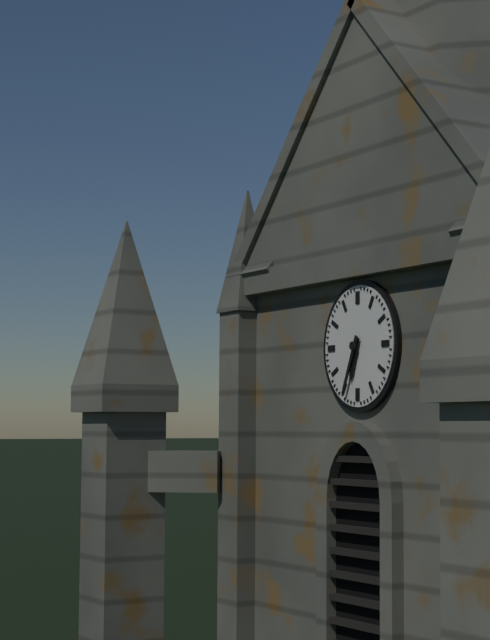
6.34
